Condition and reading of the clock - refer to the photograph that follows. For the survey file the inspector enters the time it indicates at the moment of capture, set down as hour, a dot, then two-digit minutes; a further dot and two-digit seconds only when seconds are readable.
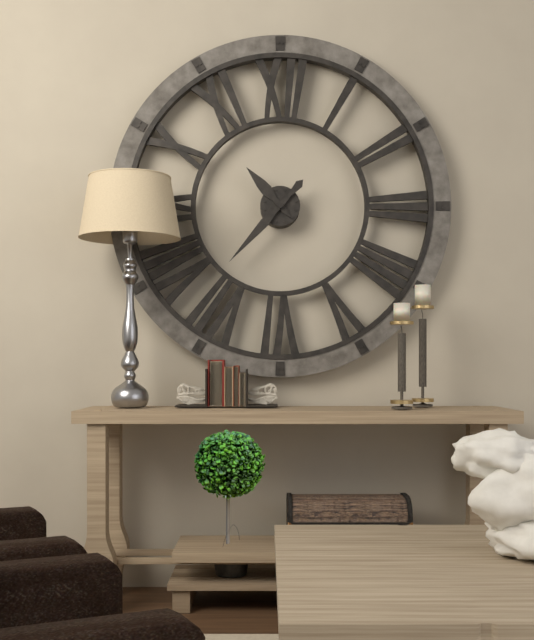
10.37
